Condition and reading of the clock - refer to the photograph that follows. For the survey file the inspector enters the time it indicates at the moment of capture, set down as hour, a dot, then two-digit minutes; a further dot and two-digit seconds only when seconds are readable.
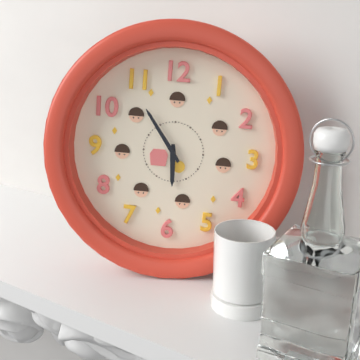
5.54
